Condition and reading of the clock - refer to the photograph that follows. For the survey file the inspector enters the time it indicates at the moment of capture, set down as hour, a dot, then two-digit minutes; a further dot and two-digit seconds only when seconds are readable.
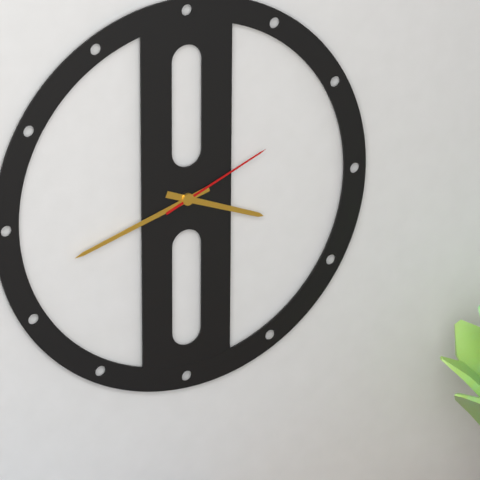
3.42.11
